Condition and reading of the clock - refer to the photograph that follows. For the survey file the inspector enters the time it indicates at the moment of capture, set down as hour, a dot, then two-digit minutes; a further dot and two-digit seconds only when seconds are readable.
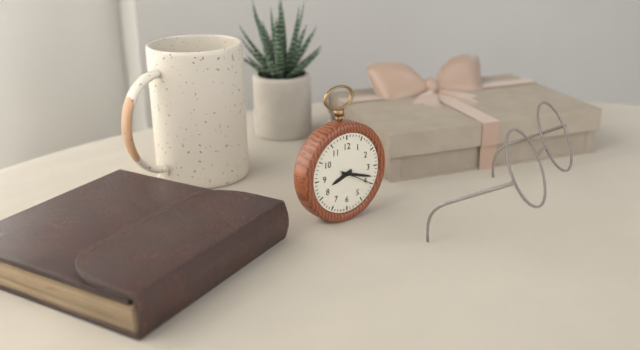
8.18
